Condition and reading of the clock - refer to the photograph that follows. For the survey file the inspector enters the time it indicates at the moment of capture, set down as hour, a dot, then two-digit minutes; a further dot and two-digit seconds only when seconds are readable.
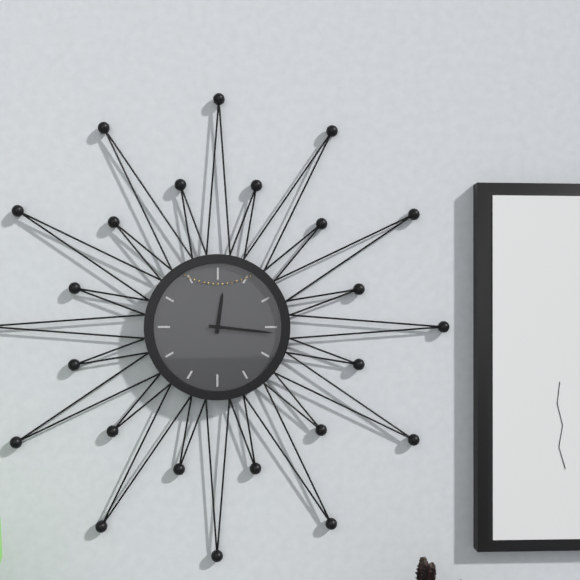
12.16
